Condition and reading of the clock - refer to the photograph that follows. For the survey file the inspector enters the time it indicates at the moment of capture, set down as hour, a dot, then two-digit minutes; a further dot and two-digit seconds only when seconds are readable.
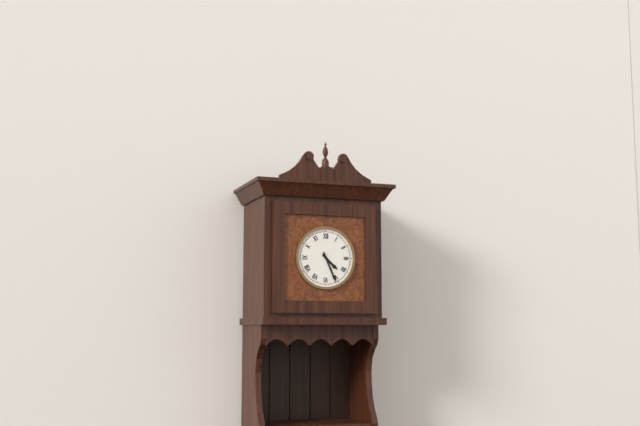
4.26
